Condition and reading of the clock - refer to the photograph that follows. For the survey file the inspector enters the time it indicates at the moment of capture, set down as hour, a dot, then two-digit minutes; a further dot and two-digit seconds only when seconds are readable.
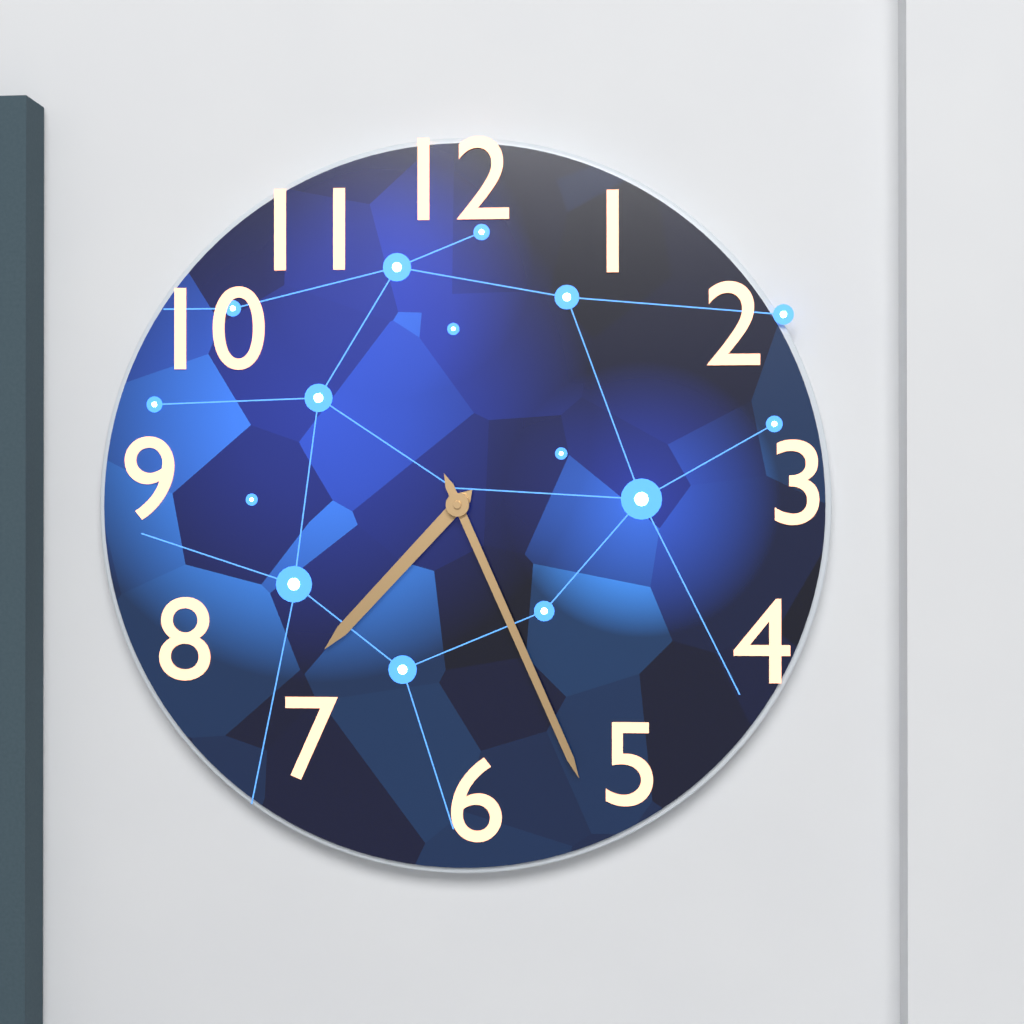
7.26
